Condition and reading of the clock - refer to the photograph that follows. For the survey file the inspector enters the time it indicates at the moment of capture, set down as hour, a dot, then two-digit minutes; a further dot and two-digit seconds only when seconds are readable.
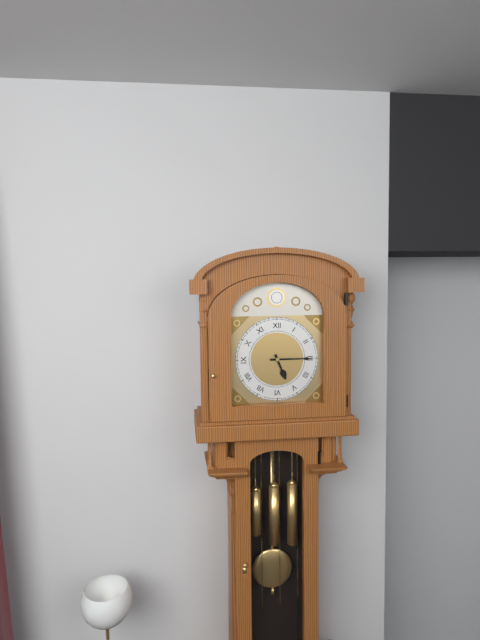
5.15
